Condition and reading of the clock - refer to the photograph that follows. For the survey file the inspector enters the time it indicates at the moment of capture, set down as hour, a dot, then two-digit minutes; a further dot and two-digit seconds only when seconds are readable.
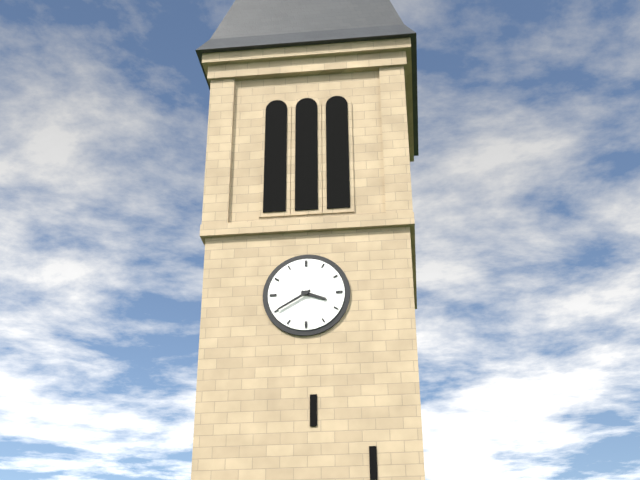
3.40
